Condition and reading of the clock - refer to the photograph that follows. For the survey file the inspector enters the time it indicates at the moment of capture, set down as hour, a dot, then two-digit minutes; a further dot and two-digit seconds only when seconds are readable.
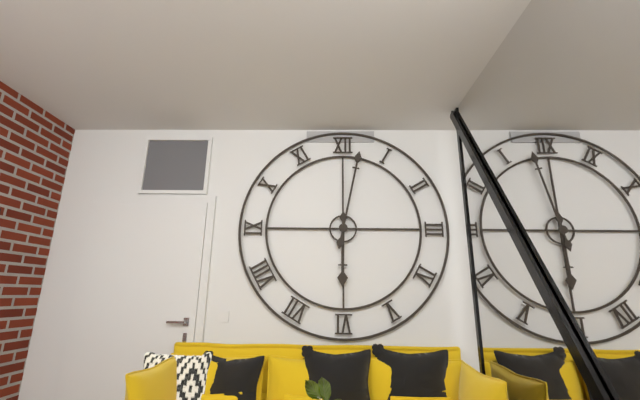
6.02
